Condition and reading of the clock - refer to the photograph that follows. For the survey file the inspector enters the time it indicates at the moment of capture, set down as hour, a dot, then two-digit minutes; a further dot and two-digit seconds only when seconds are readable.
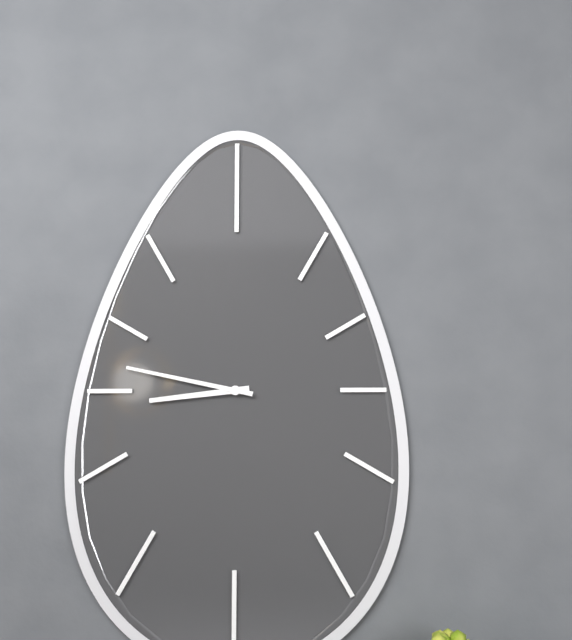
8.47
